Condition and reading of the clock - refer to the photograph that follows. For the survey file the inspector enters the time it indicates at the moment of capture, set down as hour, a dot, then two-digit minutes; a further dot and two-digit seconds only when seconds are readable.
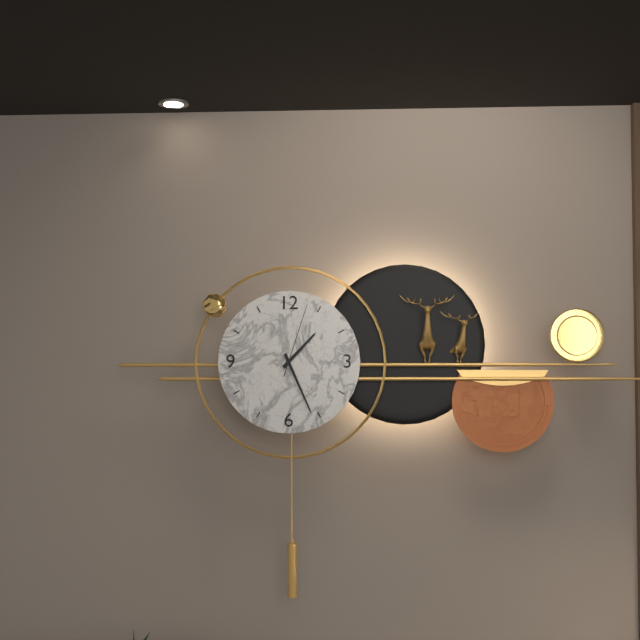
1.26.03
